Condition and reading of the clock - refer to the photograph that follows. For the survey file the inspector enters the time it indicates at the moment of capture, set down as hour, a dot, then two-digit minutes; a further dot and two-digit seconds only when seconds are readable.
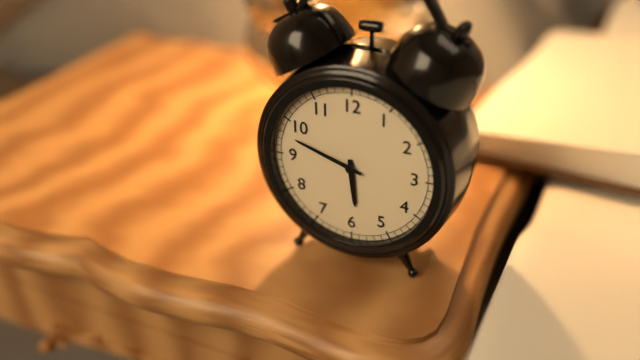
5.48
